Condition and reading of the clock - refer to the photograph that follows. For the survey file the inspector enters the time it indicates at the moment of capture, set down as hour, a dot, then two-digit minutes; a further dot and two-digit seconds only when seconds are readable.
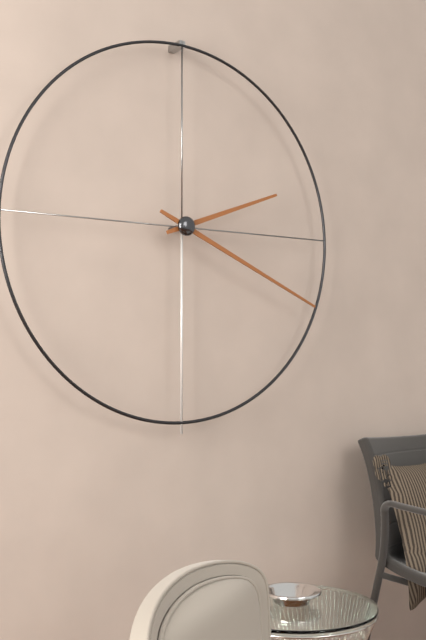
2.19
